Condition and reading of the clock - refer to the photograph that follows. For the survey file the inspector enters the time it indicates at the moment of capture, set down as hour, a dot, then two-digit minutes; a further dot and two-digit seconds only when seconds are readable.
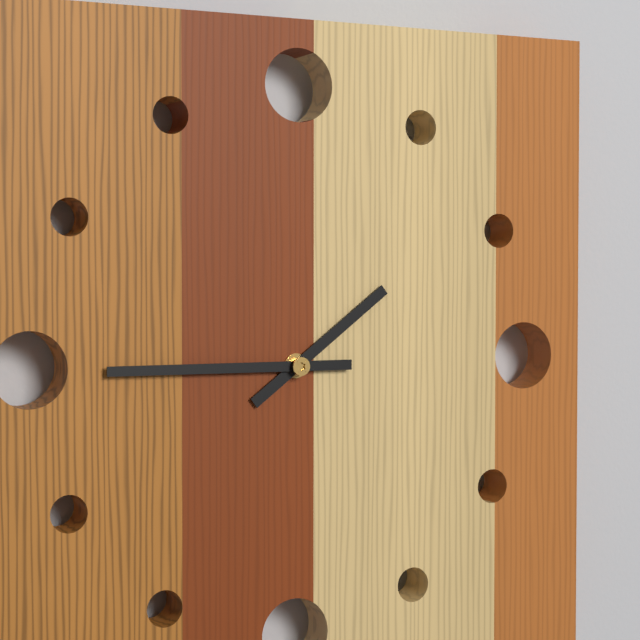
1.45
